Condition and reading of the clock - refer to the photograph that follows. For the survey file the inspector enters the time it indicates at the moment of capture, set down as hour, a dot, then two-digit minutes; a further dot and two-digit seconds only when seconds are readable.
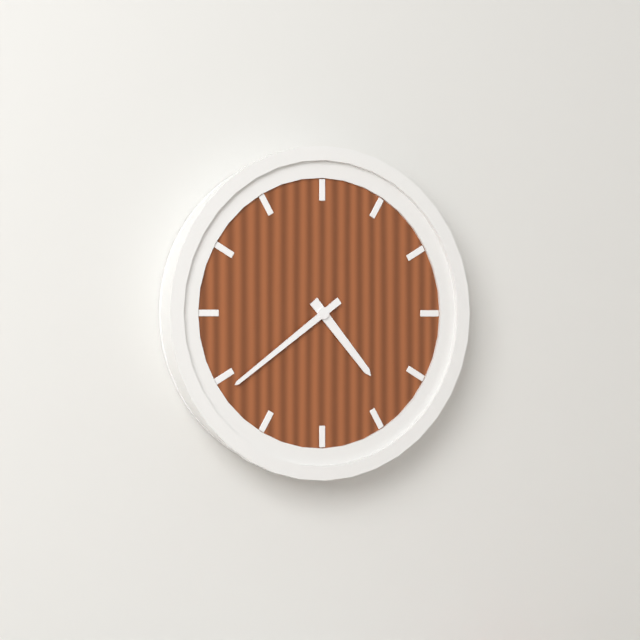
4.39
